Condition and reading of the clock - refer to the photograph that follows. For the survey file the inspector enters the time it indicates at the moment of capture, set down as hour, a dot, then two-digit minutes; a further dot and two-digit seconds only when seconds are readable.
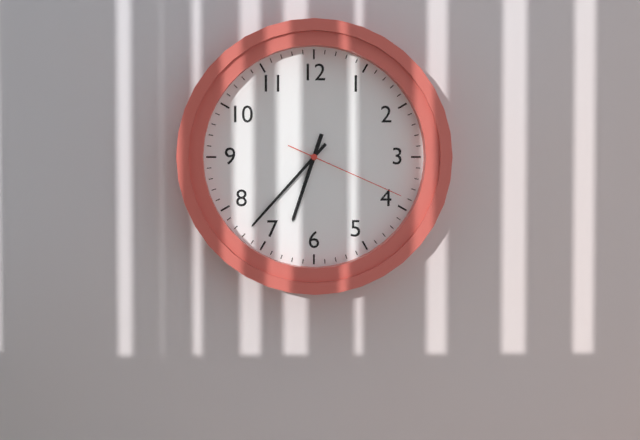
6.37.19
